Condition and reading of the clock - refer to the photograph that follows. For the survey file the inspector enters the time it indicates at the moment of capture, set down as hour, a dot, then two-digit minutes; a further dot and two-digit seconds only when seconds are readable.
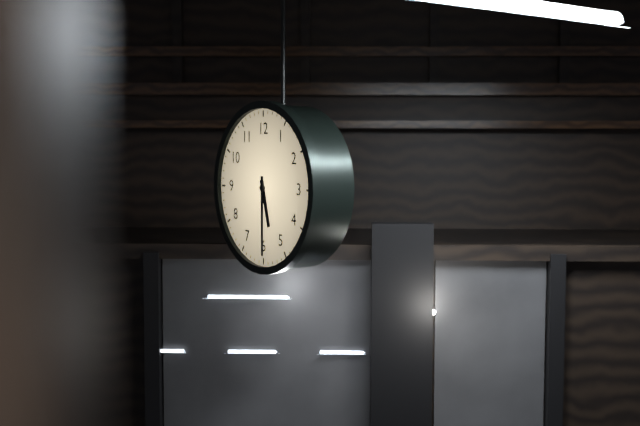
5.30
